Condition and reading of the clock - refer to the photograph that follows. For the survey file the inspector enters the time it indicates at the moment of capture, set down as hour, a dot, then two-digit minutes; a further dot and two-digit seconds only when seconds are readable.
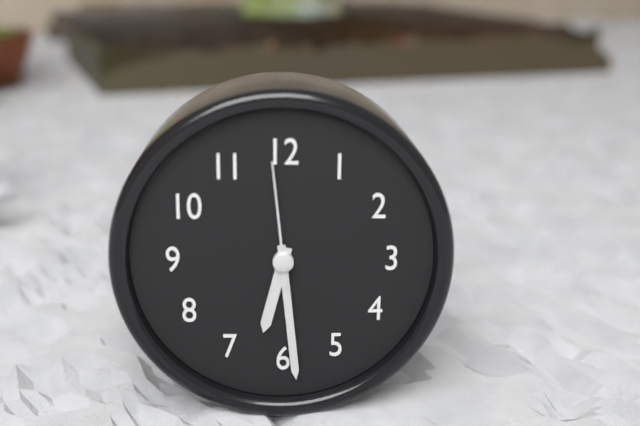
6.29.59
